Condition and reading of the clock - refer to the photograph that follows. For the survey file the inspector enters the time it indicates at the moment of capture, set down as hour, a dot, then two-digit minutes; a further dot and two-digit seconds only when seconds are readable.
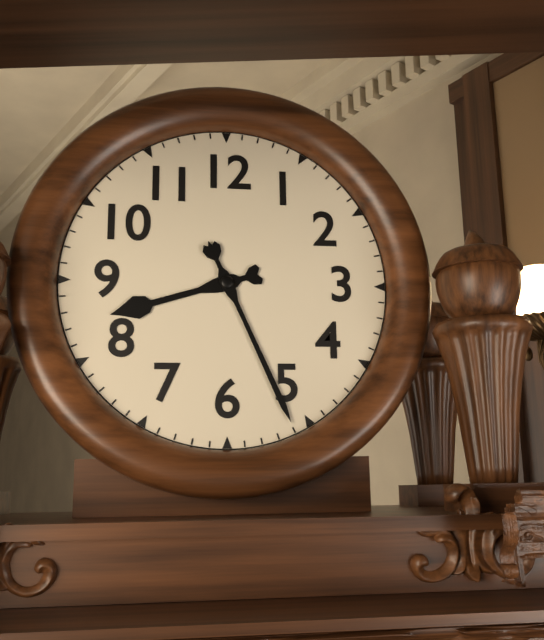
8.26
